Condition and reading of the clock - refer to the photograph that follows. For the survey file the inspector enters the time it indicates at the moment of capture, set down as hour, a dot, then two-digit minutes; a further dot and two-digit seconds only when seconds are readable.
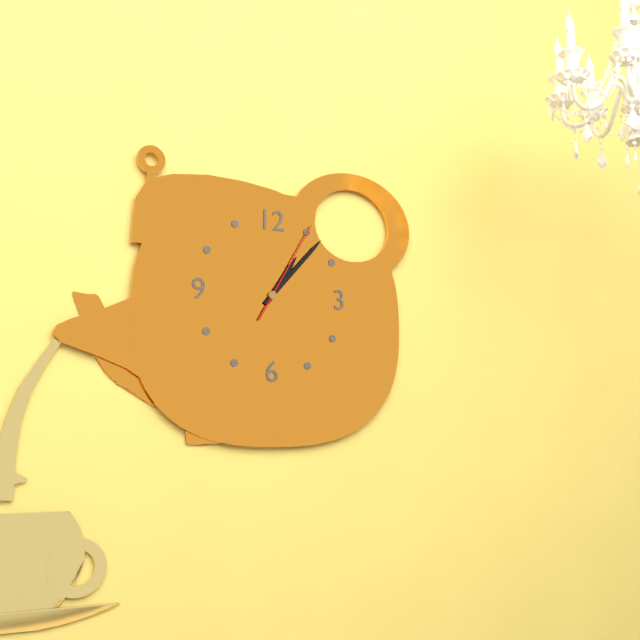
1.07.05
